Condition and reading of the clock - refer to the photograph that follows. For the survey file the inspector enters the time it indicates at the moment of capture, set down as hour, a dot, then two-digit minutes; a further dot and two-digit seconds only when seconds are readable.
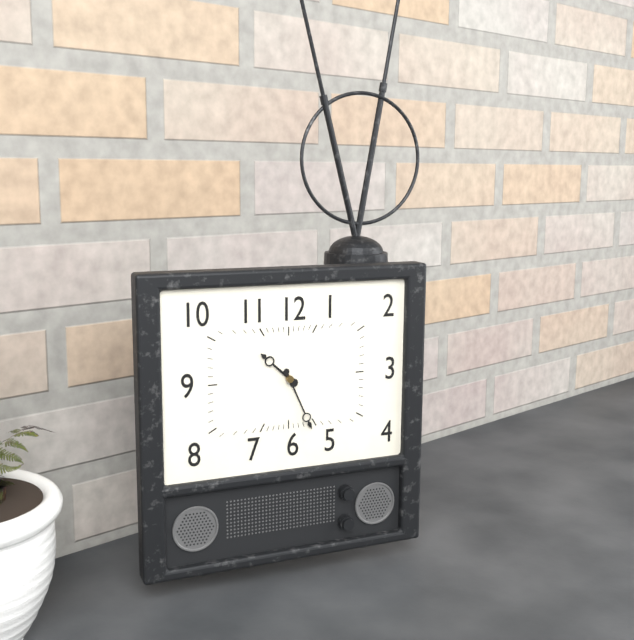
10.26
